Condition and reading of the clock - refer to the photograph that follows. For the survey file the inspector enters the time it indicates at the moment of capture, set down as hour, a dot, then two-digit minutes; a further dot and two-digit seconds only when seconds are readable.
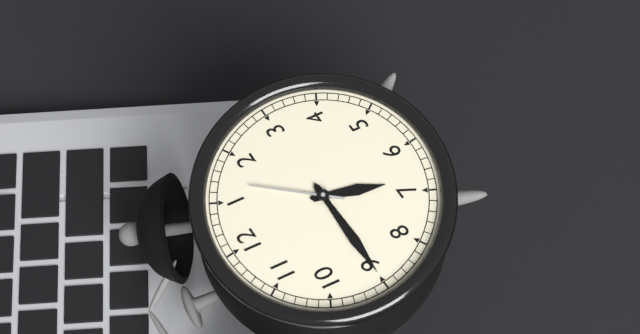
6.45.07
